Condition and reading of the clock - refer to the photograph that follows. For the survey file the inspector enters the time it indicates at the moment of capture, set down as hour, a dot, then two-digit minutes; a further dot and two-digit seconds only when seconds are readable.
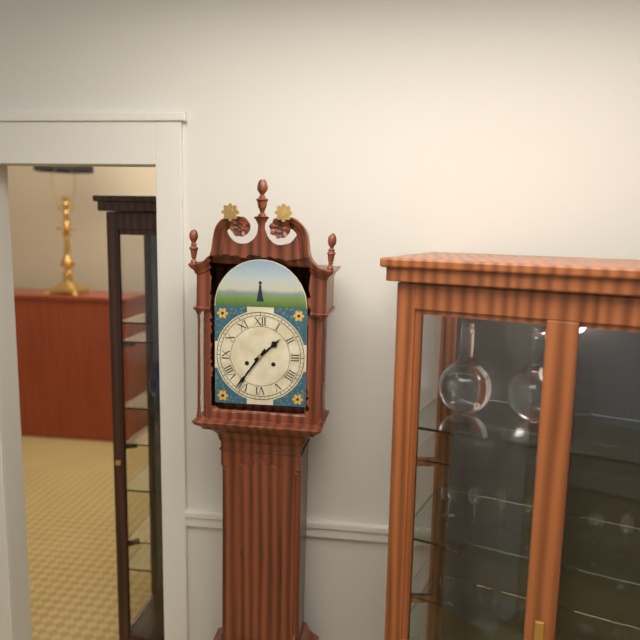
1.36
